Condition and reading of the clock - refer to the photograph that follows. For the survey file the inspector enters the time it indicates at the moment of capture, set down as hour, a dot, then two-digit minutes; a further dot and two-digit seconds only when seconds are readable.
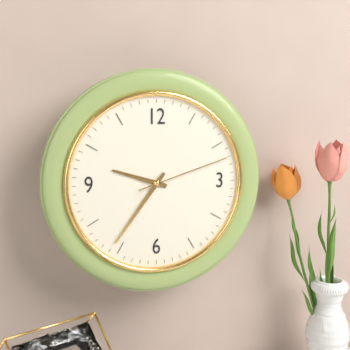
9.36.12
